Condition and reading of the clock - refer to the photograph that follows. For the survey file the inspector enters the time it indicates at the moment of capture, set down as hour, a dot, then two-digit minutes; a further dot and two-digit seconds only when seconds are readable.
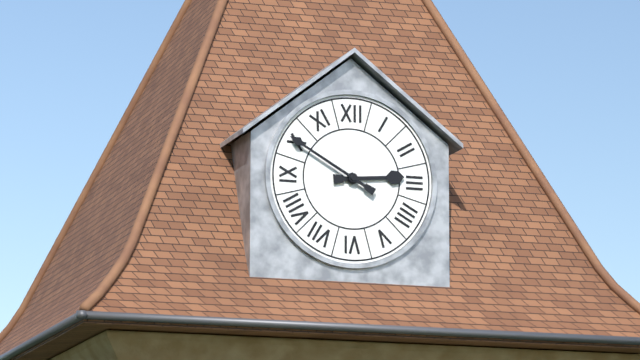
2.50
